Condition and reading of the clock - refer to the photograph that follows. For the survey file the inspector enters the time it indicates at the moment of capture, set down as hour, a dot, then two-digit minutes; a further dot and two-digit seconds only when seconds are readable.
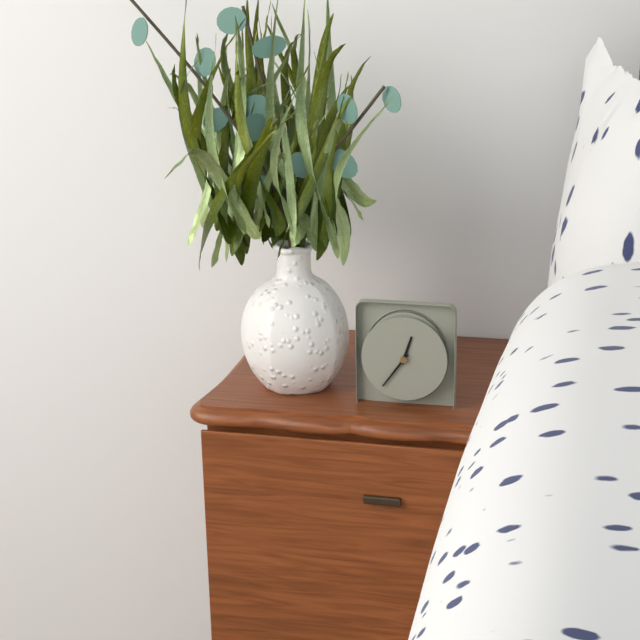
12.36
